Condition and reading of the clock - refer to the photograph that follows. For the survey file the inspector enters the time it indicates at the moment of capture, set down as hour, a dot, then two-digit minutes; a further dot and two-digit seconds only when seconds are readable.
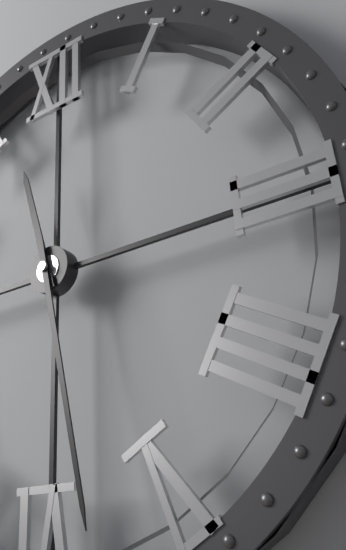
11.28
